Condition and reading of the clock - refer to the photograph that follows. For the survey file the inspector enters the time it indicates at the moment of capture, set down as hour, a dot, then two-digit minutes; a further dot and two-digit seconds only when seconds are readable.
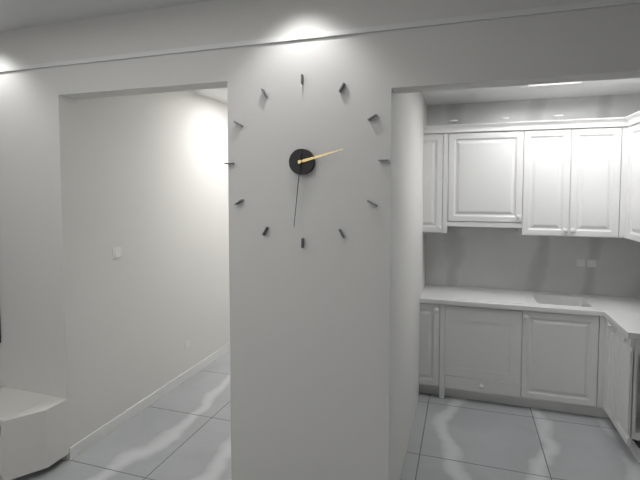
2.31
